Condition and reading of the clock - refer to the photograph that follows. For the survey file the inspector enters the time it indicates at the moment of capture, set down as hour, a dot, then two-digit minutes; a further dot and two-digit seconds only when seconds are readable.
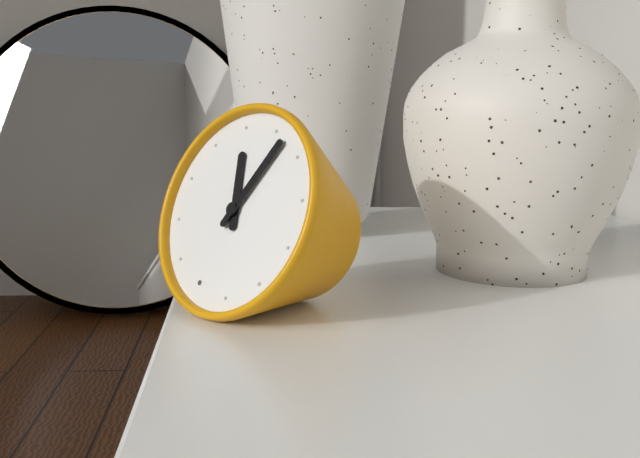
11.02
